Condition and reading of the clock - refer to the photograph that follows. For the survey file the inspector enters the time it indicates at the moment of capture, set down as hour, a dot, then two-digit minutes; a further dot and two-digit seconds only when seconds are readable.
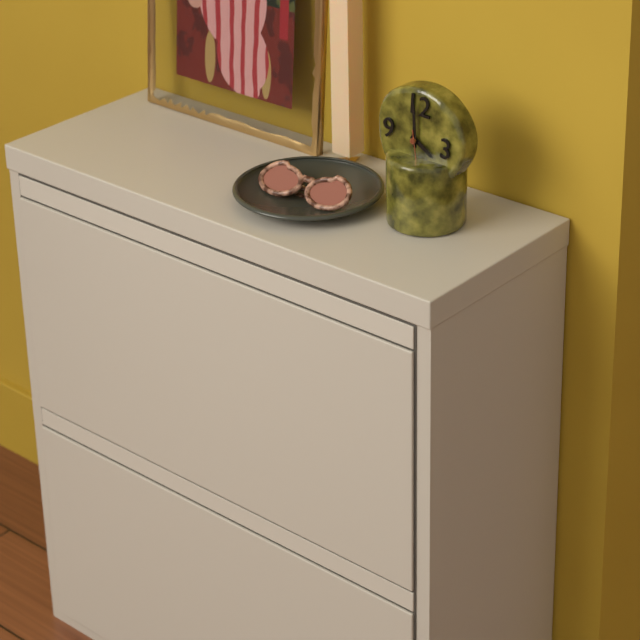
3.59
